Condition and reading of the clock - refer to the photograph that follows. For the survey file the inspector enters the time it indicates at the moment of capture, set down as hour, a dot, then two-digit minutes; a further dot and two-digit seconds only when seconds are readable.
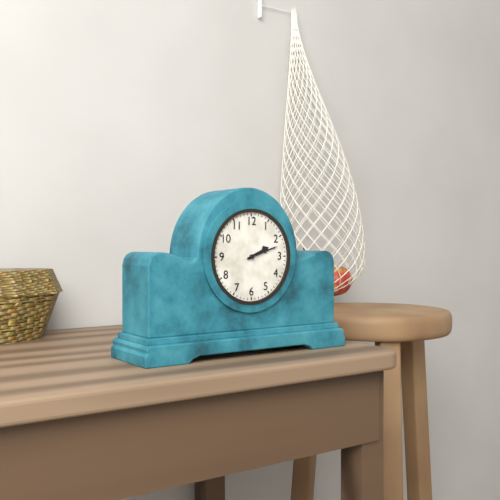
2.12
